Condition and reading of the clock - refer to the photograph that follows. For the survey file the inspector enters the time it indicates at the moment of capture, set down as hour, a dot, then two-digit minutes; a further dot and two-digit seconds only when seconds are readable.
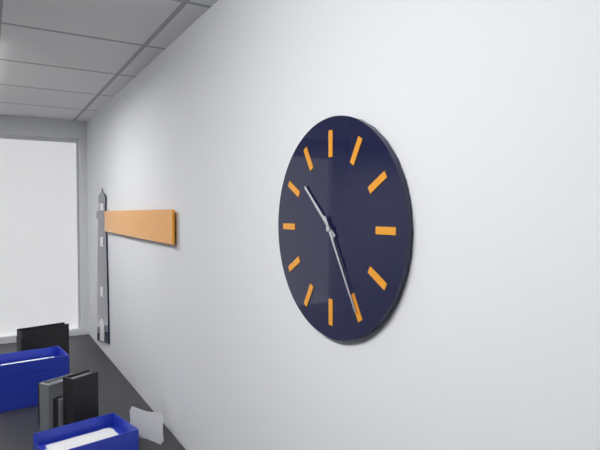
10.25
